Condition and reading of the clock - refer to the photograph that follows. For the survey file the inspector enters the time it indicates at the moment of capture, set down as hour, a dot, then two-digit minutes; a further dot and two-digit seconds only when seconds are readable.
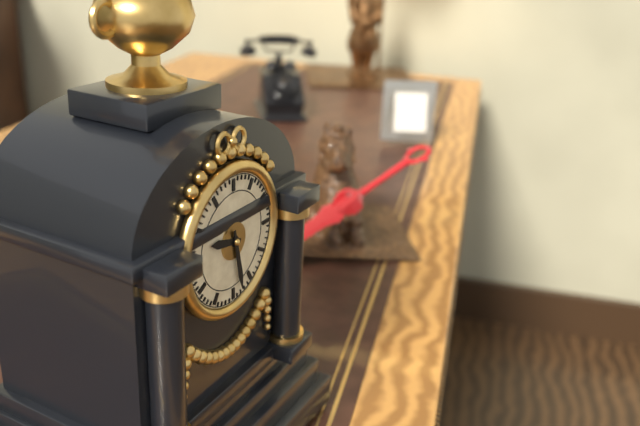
9.28
